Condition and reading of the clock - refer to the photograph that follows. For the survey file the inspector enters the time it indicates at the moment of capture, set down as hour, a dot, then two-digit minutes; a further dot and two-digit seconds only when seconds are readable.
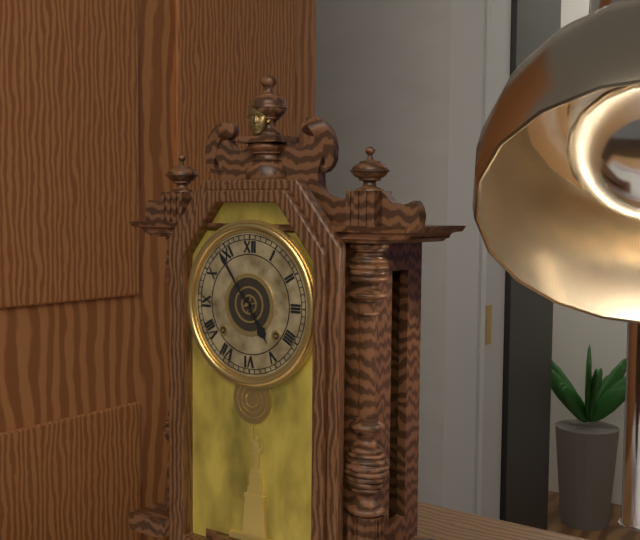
4.54
